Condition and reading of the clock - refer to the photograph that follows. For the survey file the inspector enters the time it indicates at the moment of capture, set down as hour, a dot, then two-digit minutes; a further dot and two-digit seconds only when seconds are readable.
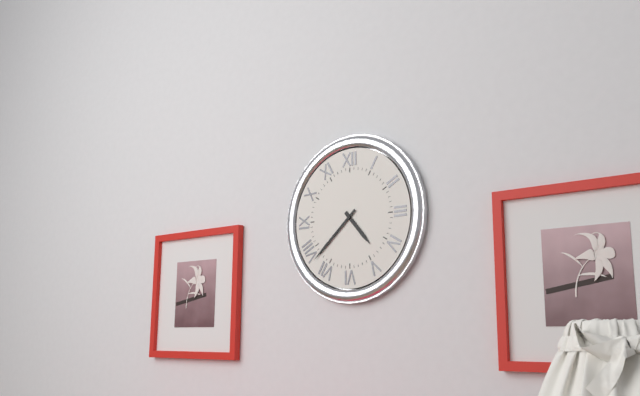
4.38
